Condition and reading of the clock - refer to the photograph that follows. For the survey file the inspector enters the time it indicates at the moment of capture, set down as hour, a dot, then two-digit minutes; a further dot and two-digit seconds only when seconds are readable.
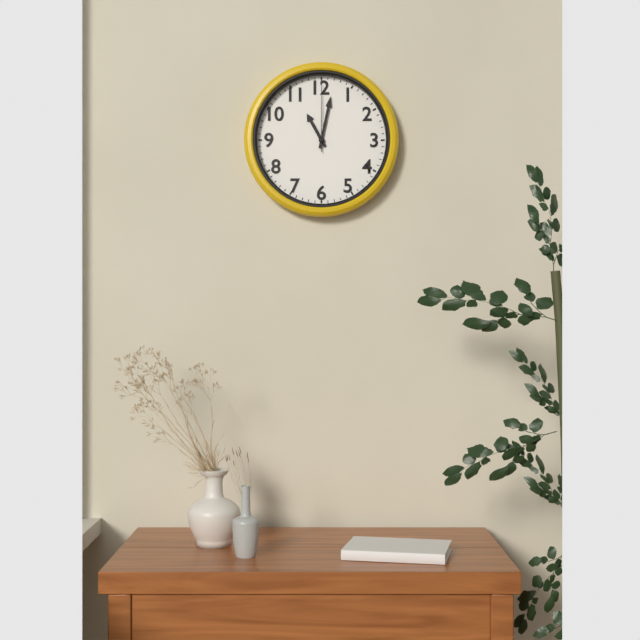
11.02.00
